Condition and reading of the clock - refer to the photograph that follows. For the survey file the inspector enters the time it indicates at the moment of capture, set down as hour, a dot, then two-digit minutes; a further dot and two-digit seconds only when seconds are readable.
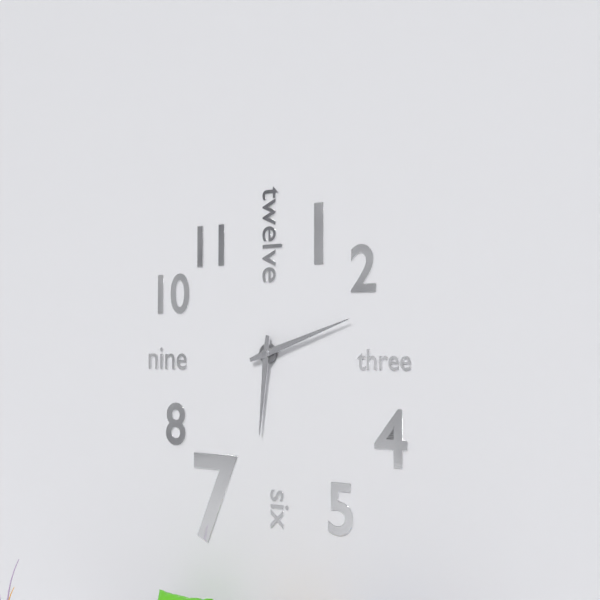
6.12
